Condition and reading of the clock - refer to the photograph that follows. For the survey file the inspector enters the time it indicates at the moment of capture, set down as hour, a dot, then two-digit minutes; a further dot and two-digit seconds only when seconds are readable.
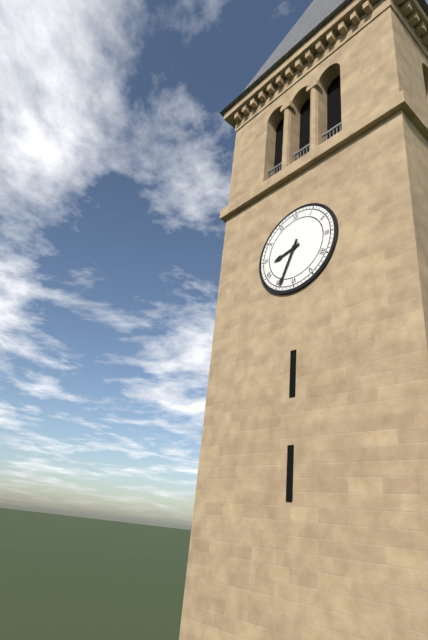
8.34
